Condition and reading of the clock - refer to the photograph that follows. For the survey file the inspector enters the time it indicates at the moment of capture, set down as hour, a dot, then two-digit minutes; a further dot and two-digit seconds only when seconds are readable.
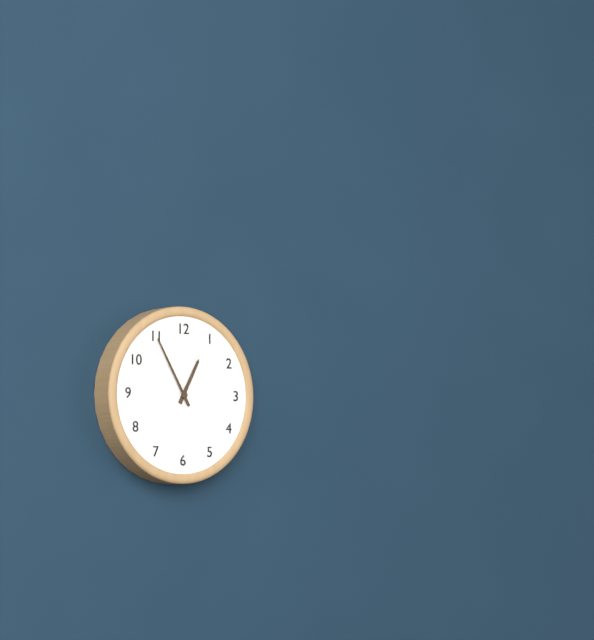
12.55
